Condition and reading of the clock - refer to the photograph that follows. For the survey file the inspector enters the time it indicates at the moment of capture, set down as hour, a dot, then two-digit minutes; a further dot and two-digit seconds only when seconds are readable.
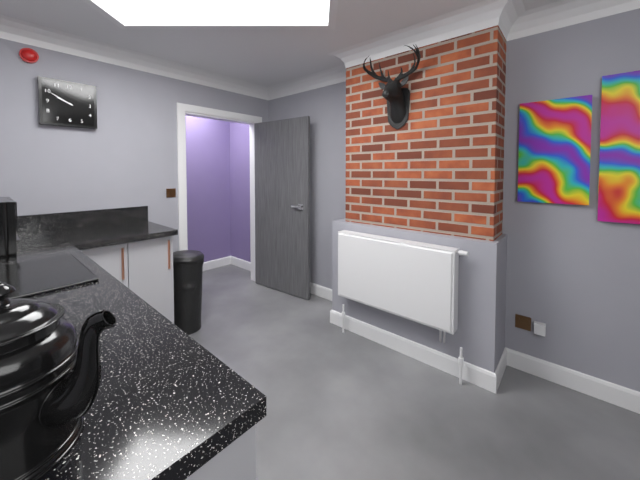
9.50
